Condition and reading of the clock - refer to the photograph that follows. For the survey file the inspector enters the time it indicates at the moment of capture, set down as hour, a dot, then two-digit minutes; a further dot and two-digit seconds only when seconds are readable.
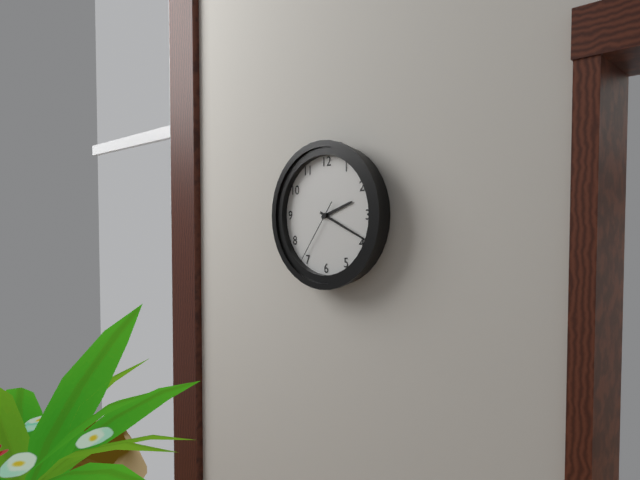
2.19.36
